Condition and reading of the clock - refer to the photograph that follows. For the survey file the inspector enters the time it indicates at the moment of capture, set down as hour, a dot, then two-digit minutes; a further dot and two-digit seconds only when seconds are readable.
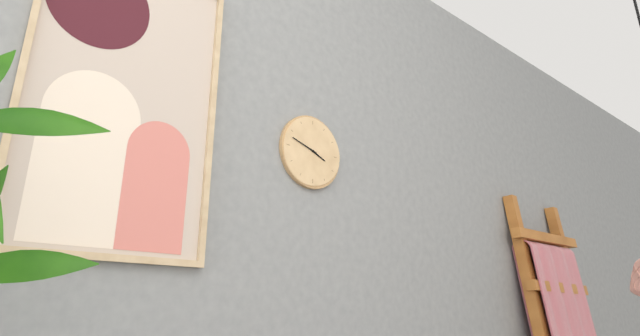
3.48
